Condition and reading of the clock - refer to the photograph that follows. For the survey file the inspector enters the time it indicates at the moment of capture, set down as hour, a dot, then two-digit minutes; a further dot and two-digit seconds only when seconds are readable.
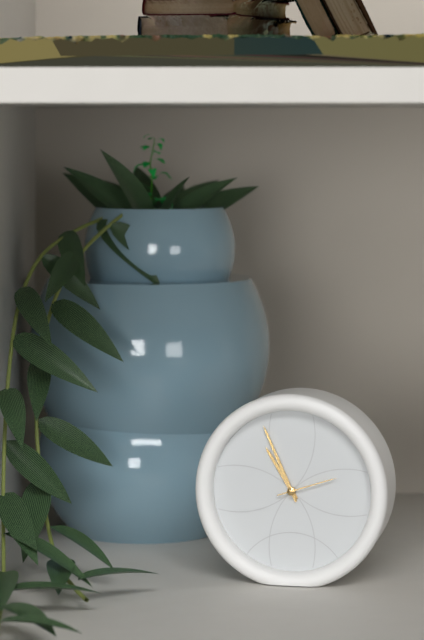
10.56.12
